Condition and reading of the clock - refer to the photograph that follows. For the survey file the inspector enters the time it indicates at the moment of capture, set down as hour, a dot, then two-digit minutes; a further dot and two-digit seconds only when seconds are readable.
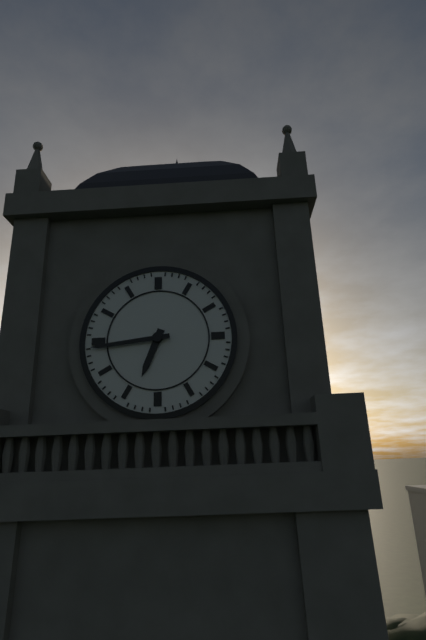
6.44
